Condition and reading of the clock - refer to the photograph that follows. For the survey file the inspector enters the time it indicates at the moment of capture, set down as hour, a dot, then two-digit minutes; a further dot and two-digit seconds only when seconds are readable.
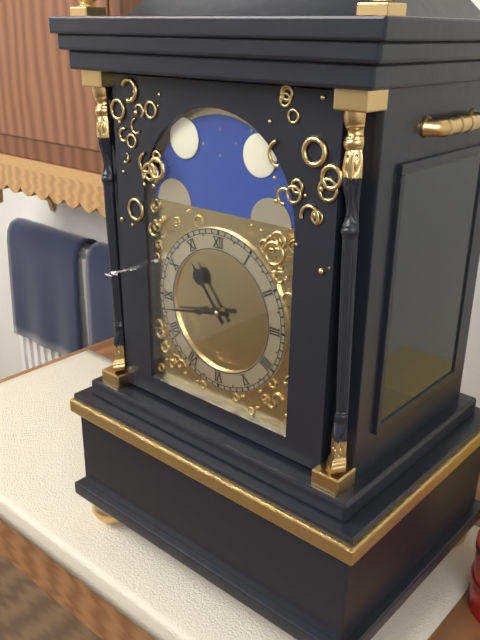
10.43
